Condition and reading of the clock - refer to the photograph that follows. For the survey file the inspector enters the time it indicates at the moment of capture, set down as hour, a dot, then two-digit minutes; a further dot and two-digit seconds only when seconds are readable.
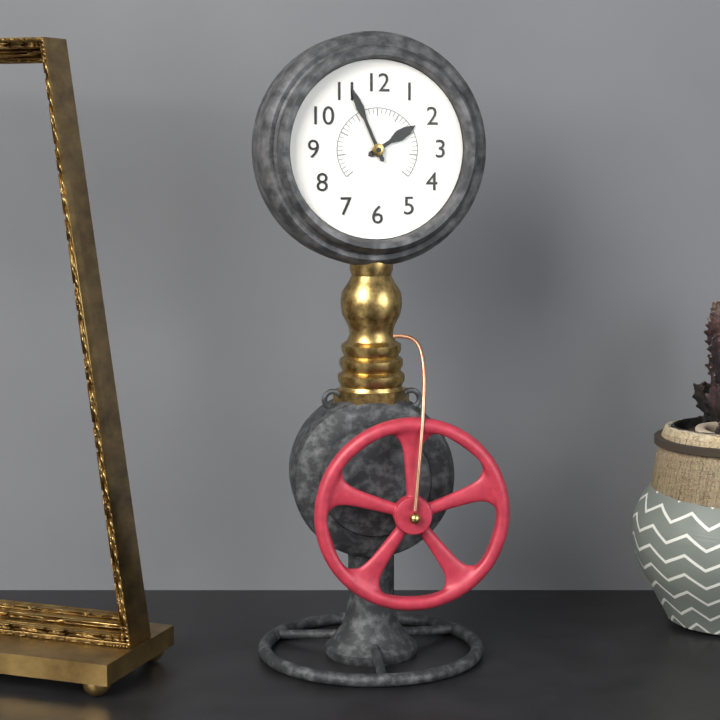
1.56
